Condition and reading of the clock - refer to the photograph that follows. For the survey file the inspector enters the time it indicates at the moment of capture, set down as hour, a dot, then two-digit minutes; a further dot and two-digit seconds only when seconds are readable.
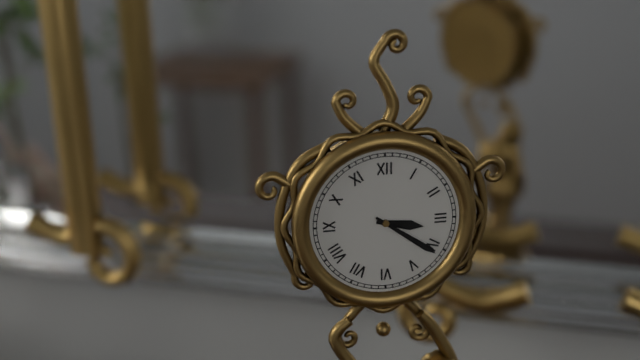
3.21
